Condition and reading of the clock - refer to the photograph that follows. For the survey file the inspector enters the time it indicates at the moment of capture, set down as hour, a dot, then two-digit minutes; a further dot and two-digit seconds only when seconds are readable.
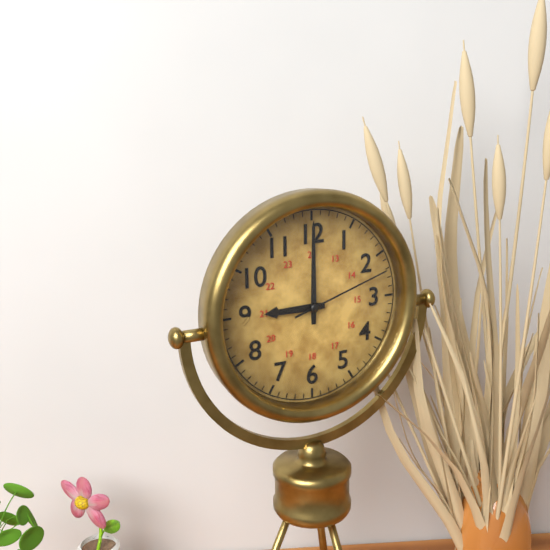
9.00.12
